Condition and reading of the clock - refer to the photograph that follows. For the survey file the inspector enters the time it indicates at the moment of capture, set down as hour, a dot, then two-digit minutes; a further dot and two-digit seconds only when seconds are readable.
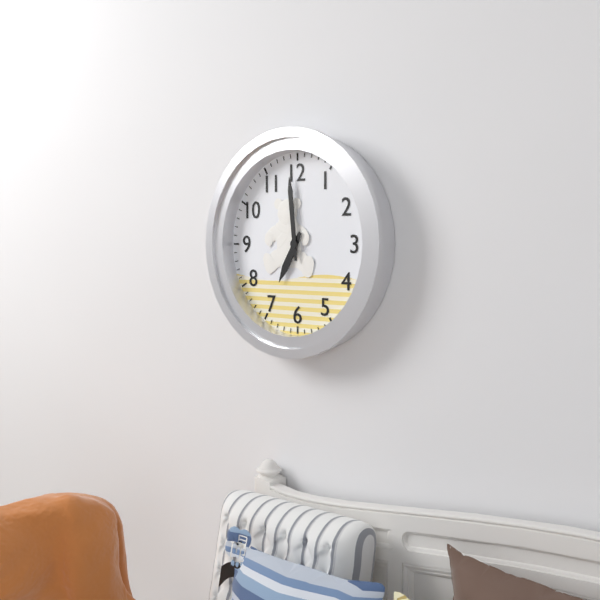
6.59
